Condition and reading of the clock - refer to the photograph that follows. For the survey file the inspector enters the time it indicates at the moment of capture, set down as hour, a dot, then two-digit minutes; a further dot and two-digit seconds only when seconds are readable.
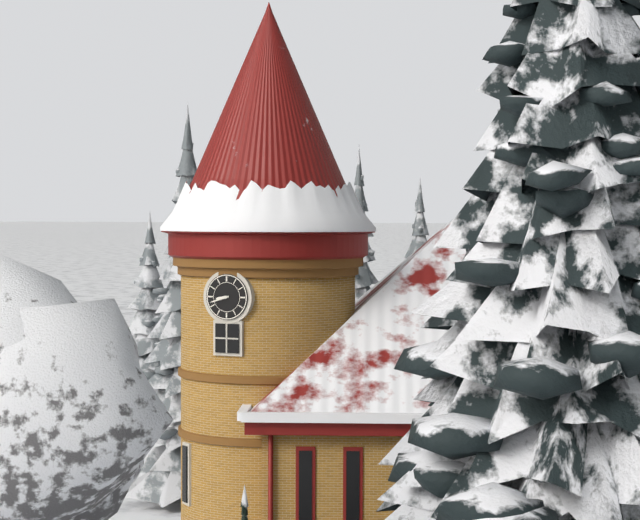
8.42
